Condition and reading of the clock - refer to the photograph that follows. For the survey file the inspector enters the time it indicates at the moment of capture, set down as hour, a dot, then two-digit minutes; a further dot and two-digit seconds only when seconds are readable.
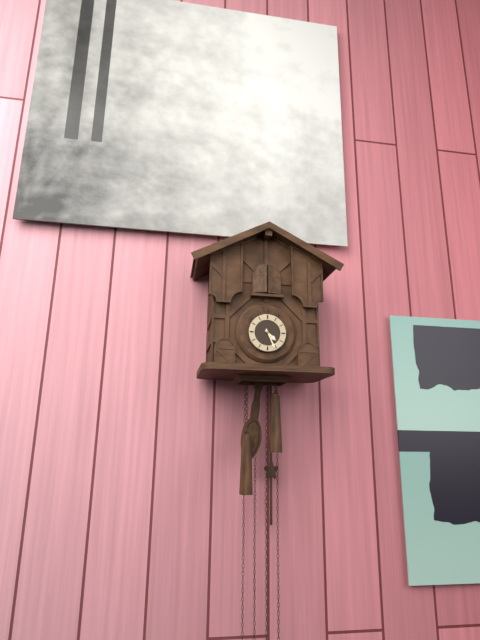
4.26
